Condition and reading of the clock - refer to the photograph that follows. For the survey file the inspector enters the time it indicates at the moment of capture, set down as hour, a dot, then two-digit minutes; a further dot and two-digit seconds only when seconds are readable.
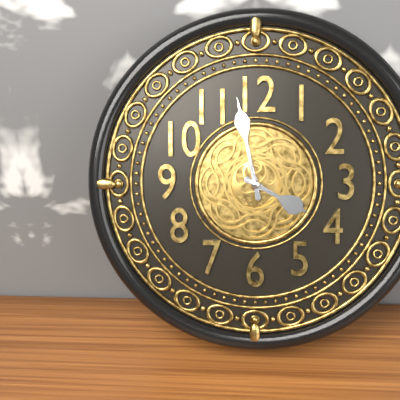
3.58
